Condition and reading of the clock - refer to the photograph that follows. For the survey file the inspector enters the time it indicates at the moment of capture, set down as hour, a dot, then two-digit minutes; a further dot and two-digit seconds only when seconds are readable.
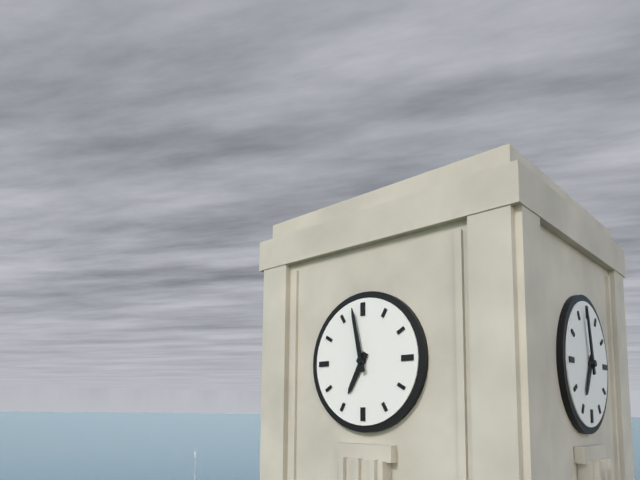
6.58
